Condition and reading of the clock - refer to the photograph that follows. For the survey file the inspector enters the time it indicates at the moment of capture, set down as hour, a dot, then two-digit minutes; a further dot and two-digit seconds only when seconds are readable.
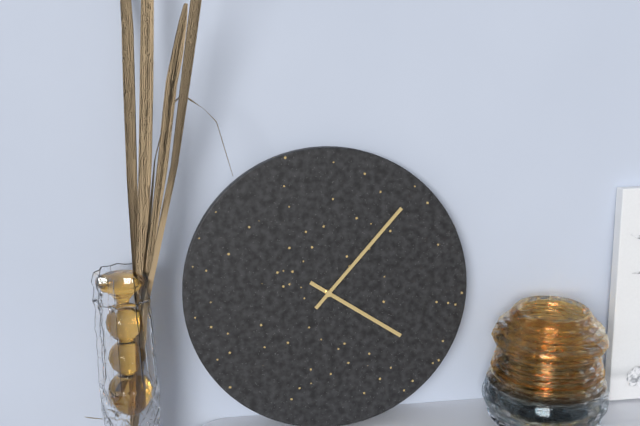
4.07
